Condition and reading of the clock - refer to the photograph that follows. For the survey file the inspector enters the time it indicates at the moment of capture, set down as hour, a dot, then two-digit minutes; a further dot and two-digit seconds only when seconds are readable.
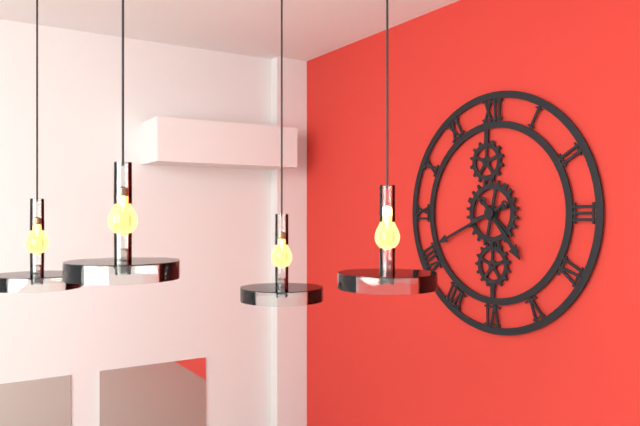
4.41
